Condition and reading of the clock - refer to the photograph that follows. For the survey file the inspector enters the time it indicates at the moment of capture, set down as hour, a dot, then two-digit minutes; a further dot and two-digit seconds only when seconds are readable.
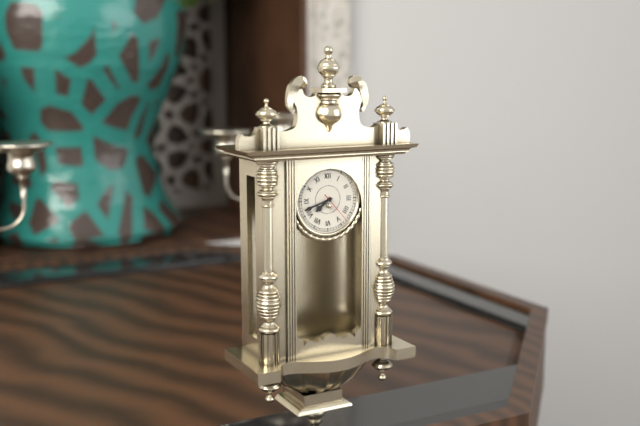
7.42
